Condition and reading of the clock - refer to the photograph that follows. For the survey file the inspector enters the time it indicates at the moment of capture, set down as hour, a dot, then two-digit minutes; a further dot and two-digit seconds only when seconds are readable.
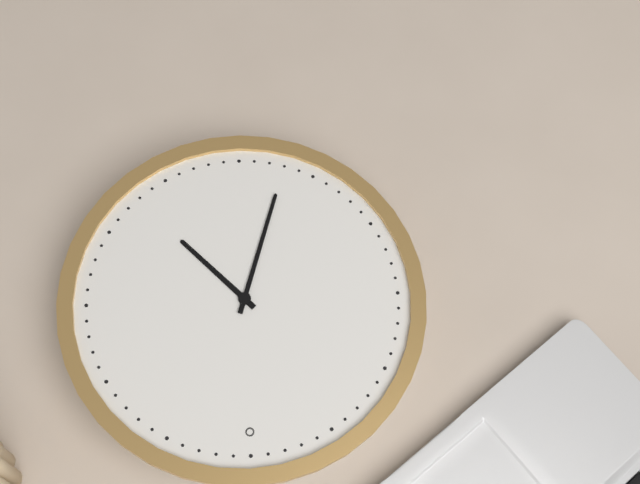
4.33
